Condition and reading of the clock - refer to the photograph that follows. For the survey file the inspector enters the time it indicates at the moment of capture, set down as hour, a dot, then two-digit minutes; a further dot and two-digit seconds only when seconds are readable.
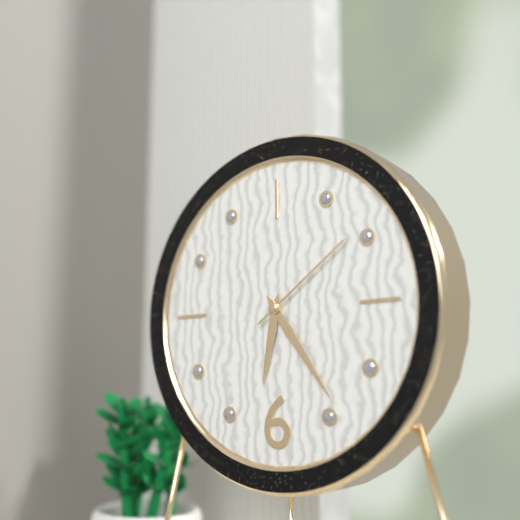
6.24.09
